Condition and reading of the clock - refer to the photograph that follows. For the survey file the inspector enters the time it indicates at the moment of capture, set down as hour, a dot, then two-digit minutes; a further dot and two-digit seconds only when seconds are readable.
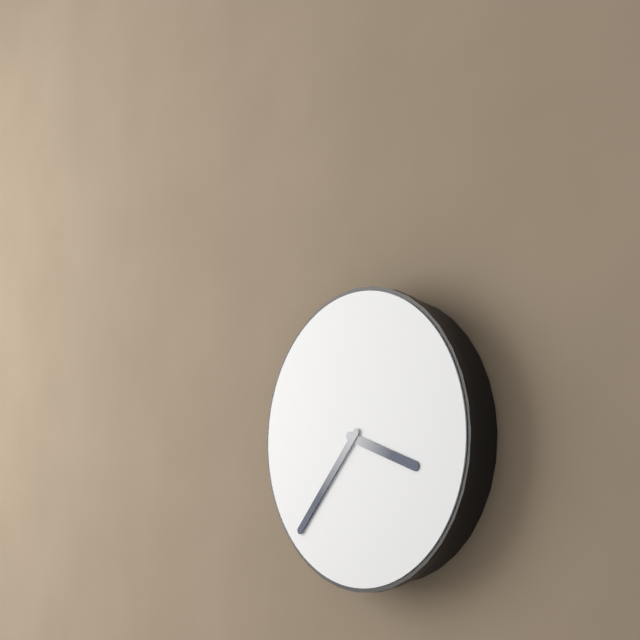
3.37
